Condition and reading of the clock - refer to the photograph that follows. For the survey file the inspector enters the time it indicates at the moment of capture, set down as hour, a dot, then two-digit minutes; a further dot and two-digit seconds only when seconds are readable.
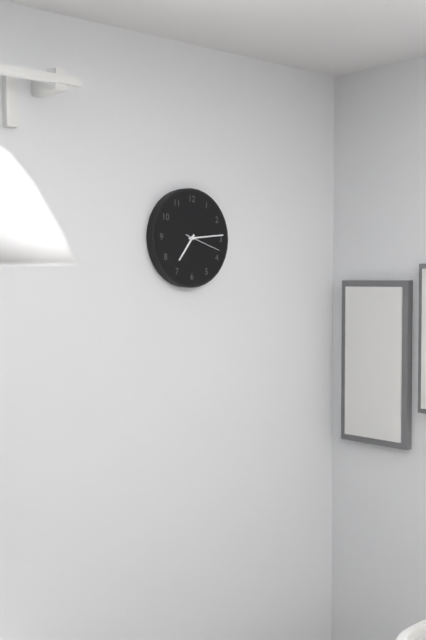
7.14
